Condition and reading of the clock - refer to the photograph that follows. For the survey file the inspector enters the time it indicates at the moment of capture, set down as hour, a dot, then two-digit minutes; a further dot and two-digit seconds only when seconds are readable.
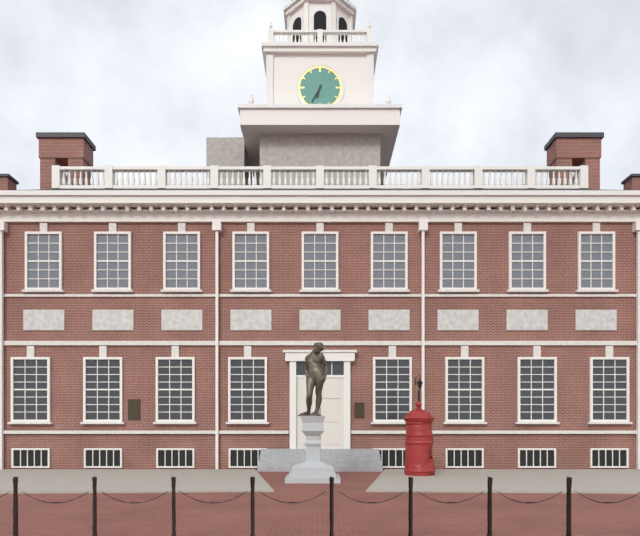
6.35
